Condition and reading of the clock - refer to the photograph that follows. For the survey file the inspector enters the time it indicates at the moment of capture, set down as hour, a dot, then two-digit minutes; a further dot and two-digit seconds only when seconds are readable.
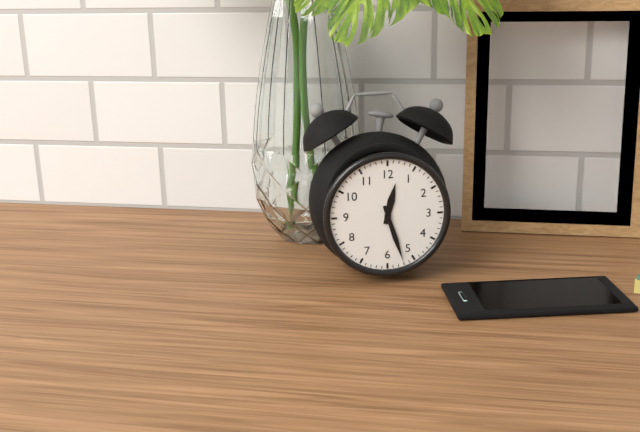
12.27
